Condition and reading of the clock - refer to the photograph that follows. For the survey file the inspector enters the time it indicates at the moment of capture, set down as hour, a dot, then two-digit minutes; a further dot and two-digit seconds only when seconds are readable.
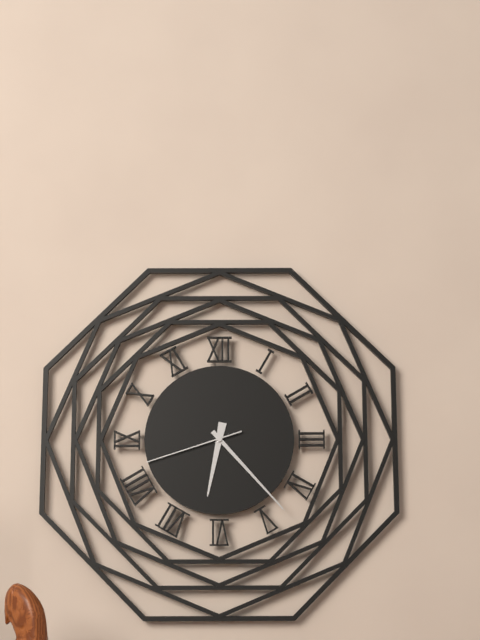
6.23.42
